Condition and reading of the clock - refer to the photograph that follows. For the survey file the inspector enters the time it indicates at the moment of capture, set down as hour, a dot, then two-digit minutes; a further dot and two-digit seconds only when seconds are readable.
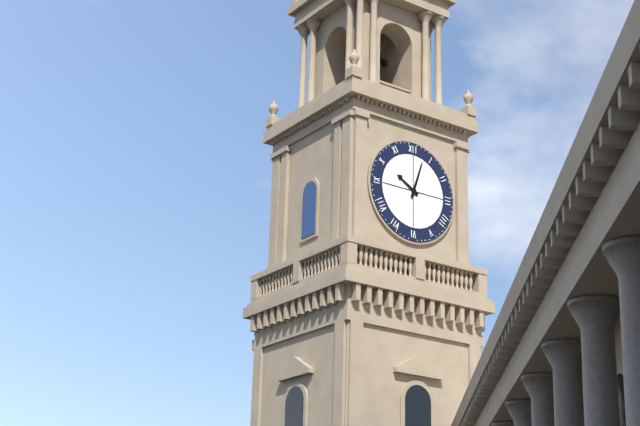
10.03
